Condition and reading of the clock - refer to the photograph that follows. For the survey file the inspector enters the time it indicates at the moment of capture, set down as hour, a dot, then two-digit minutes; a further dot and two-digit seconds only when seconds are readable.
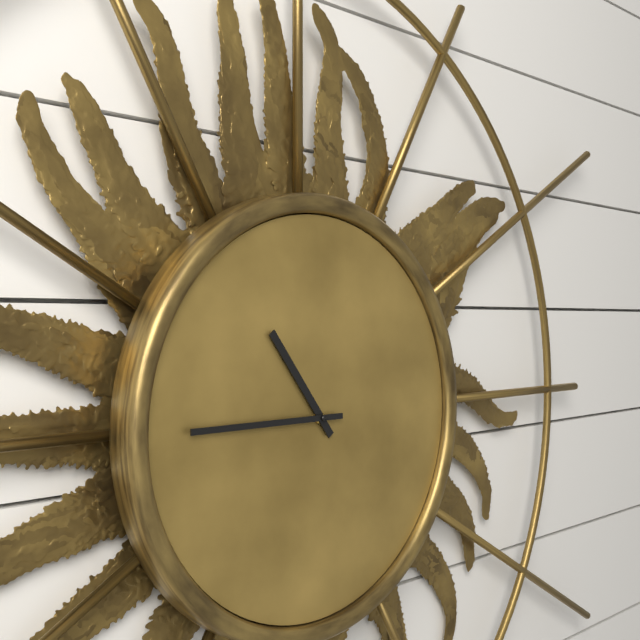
10.45
